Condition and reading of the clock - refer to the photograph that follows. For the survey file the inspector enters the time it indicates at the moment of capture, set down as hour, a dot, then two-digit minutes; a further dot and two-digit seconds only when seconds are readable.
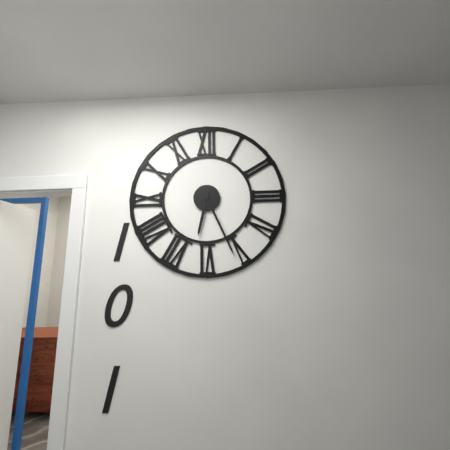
6.26
